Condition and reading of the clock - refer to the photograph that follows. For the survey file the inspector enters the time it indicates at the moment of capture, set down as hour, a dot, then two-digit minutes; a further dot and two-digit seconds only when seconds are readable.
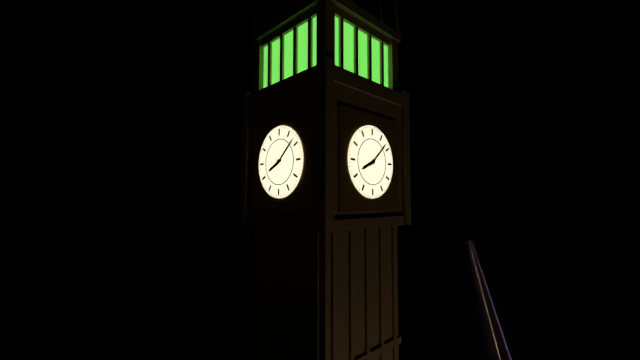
8.08
